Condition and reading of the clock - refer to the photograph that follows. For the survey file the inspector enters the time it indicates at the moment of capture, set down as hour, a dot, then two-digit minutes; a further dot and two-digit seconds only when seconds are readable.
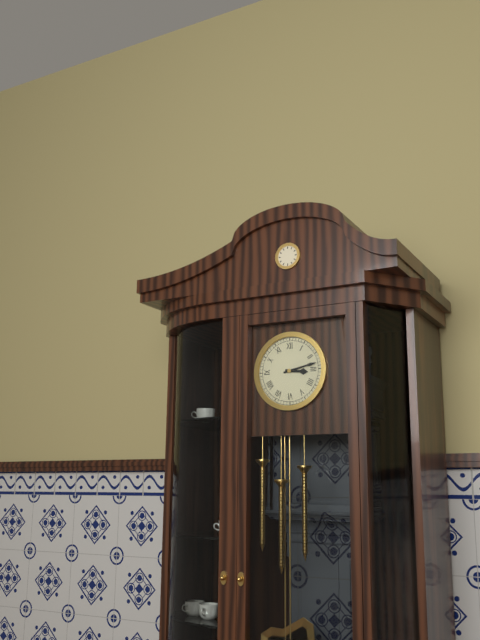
3.13
